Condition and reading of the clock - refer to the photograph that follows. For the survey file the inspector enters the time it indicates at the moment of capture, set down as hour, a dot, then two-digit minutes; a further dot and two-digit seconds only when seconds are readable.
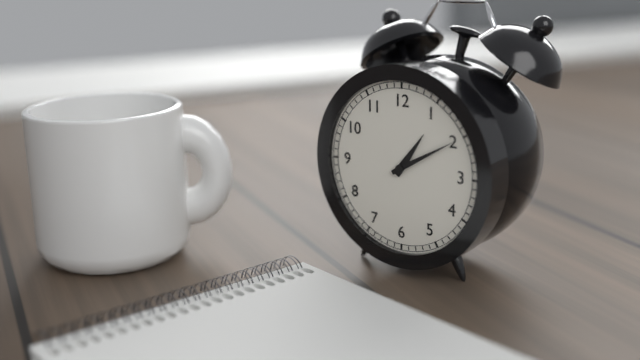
1.10
